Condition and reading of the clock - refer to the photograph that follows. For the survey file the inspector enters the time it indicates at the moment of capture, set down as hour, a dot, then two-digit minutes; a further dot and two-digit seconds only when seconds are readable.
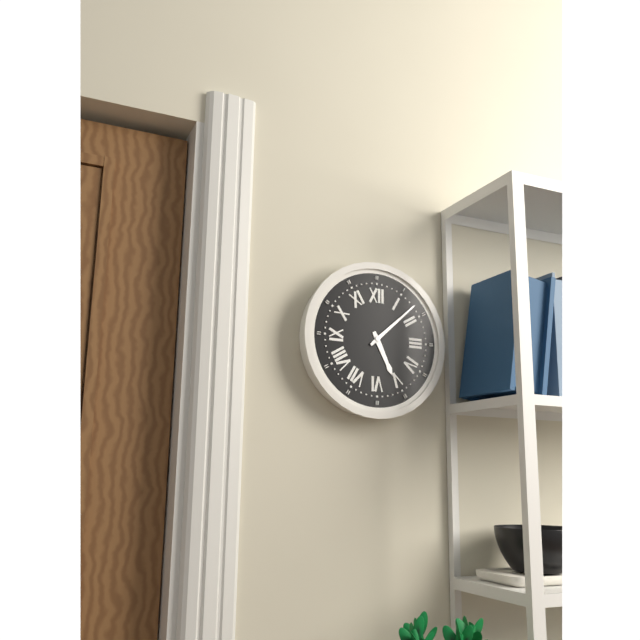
5.08
